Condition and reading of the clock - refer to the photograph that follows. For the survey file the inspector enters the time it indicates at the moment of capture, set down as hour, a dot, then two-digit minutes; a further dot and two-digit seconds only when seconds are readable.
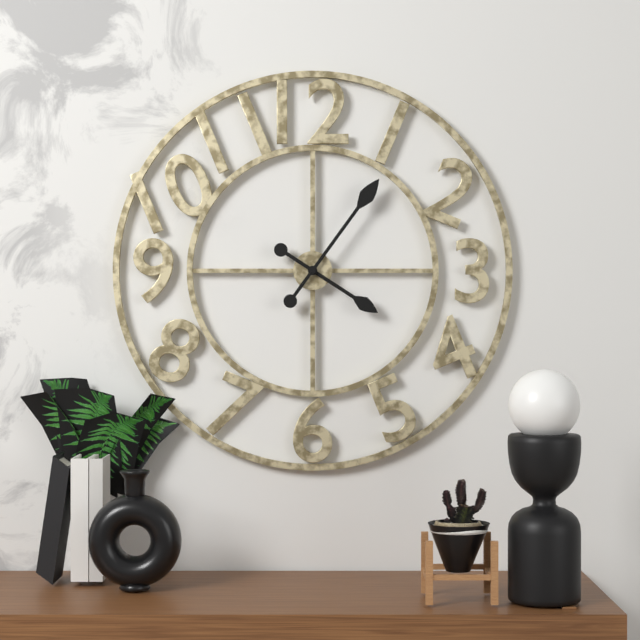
4.06
